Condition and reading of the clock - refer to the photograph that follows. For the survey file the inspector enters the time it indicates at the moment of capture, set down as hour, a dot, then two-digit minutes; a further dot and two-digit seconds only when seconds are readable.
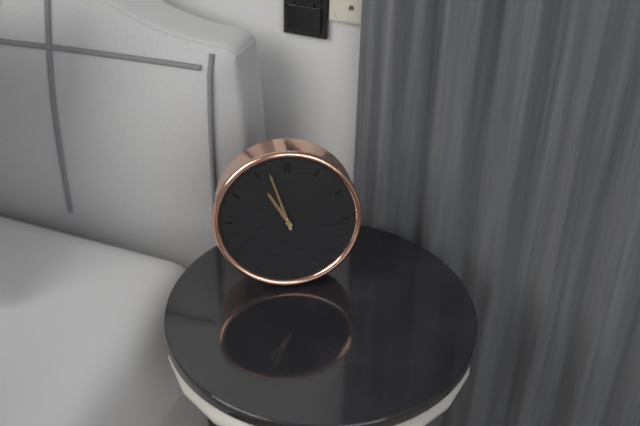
10.57
